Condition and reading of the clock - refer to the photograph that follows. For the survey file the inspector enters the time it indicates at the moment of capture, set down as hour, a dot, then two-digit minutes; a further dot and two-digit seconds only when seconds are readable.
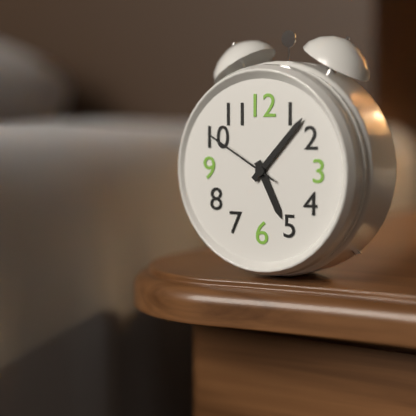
5.07.50
